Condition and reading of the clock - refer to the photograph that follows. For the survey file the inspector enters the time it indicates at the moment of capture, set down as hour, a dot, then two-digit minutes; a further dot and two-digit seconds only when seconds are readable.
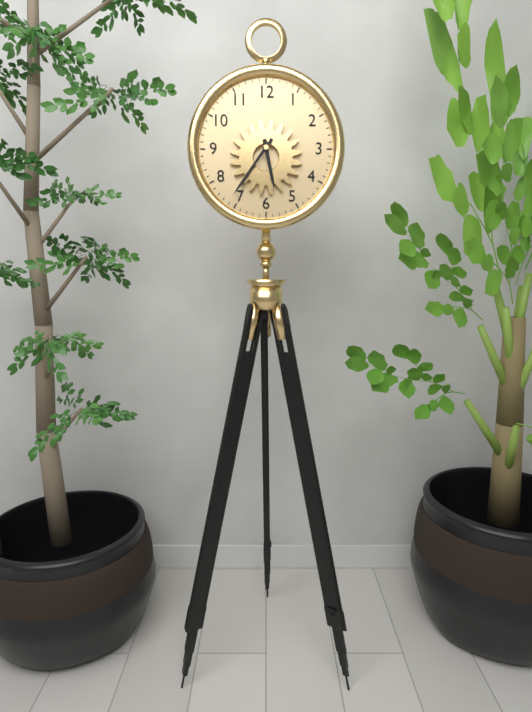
5.36
